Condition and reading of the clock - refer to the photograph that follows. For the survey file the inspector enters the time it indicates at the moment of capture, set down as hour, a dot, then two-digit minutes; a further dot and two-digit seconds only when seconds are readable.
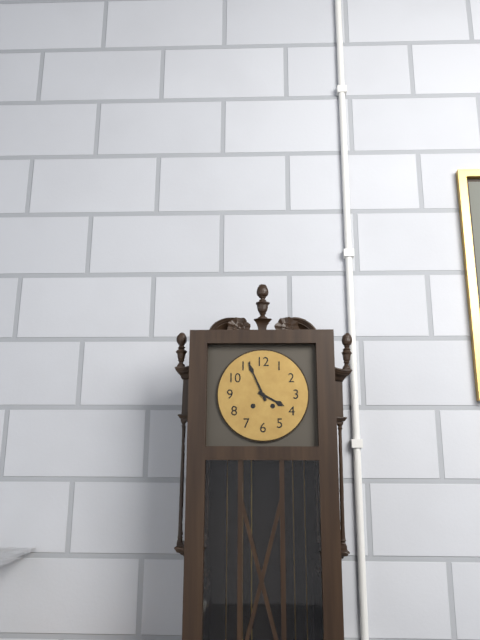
3.56
